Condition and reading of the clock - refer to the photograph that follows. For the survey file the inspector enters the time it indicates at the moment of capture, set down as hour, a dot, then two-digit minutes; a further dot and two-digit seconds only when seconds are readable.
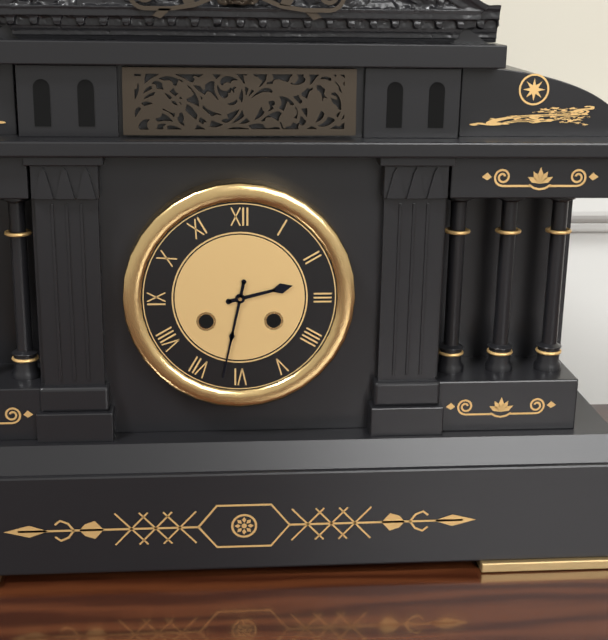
2.32
